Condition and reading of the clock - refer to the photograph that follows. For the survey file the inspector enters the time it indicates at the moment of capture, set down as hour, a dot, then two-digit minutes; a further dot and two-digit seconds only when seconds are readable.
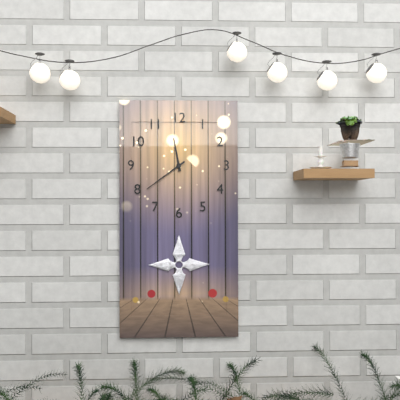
11.39
